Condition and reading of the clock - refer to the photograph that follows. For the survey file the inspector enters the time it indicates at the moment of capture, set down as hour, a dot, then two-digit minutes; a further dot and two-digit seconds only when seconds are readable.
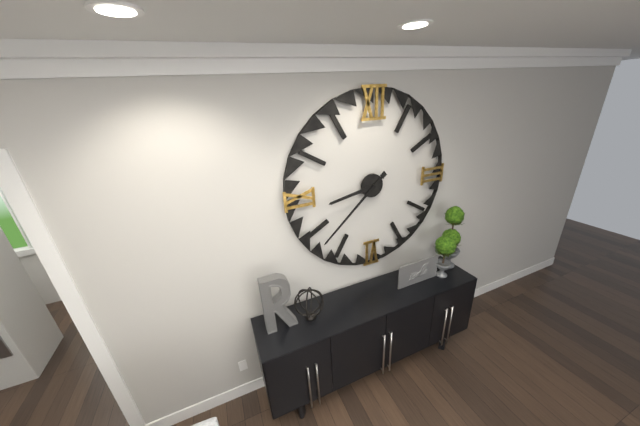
8.38
